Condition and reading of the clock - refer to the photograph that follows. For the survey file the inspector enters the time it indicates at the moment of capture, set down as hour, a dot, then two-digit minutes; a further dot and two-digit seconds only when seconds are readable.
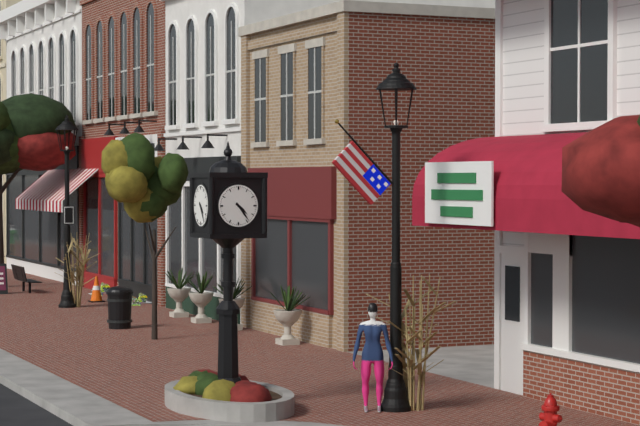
4.24
